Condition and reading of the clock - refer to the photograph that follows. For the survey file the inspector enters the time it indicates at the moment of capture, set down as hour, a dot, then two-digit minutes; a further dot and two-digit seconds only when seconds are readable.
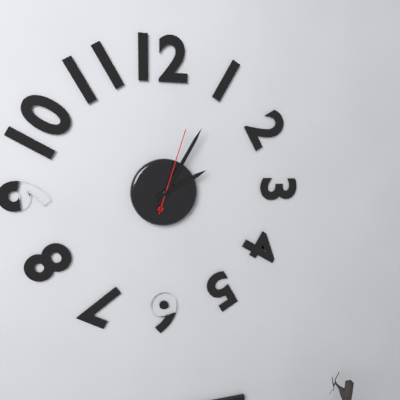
2.05.03
